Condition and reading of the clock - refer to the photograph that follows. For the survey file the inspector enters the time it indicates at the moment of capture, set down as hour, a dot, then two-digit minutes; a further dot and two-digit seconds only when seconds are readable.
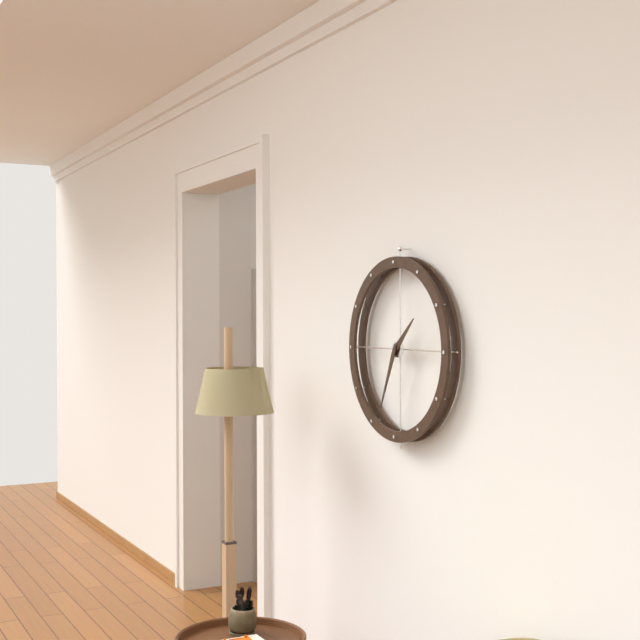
1.34
